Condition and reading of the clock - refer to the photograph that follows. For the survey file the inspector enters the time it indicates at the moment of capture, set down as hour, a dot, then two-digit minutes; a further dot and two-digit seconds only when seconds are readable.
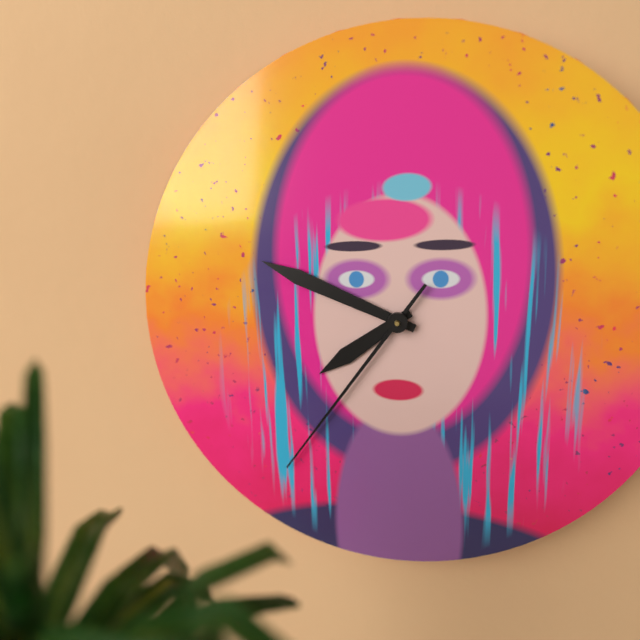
7.49.36
